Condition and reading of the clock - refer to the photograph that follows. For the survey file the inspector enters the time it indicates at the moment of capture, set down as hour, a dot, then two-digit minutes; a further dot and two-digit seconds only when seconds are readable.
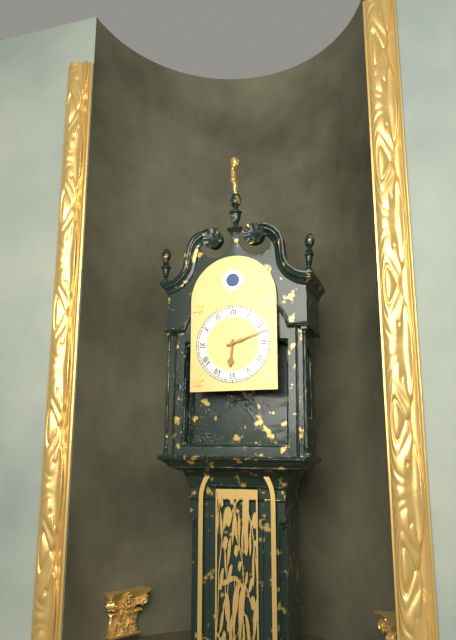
6.12
